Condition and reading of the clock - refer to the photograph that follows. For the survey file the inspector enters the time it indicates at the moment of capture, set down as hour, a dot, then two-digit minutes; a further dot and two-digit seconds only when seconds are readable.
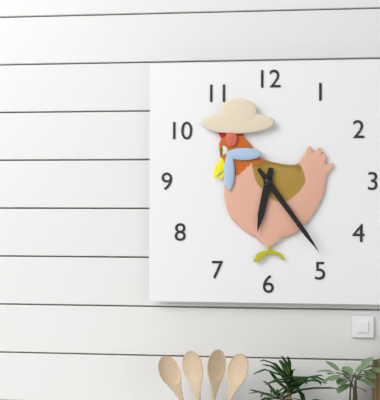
6.24
